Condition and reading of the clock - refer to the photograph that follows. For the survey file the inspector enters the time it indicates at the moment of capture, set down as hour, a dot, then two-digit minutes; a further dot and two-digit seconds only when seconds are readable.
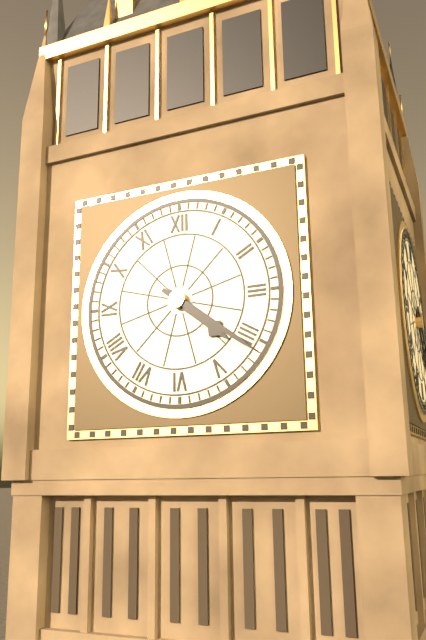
4.21
